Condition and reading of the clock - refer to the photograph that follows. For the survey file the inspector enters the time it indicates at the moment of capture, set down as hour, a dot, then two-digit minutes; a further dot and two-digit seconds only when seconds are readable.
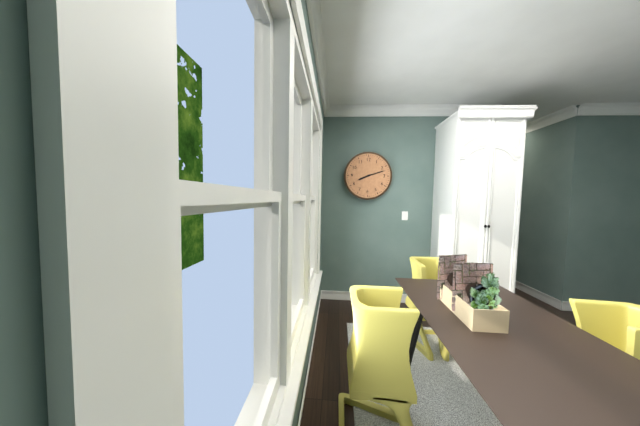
8.12
